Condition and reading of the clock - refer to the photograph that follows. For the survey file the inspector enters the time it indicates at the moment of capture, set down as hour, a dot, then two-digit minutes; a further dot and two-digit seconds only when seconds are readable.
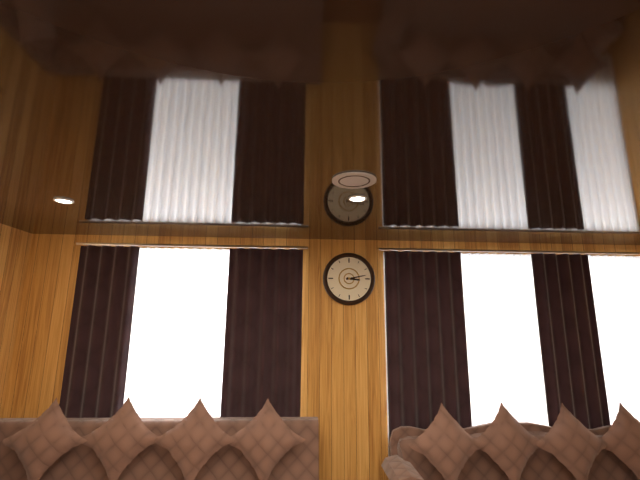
3.13
